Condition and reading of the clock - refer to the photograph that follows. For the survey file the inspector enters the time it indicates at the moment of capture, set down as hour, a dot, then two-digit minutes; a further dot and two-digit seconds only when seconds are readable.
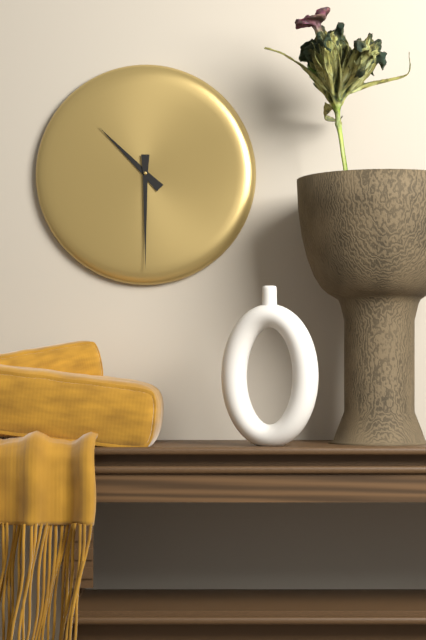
10.30
